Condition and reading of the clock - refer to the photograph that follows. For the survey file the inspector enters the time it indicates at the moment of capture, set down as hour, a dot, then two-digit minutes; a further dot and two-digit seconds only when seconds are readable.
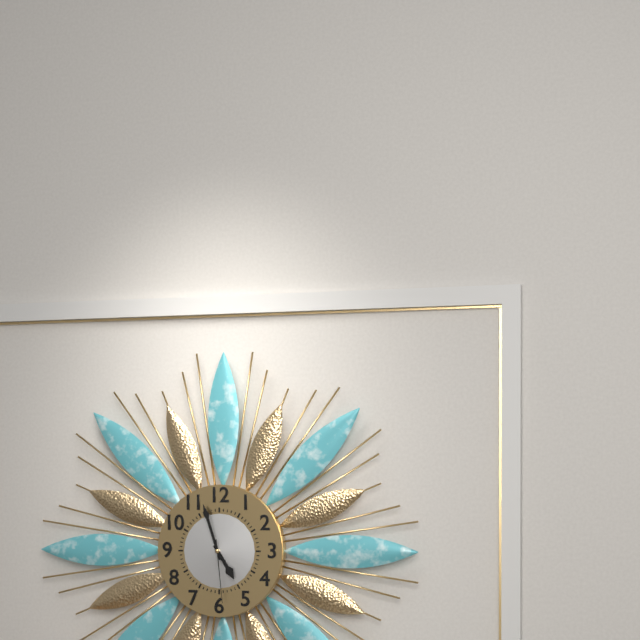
4.57.29
